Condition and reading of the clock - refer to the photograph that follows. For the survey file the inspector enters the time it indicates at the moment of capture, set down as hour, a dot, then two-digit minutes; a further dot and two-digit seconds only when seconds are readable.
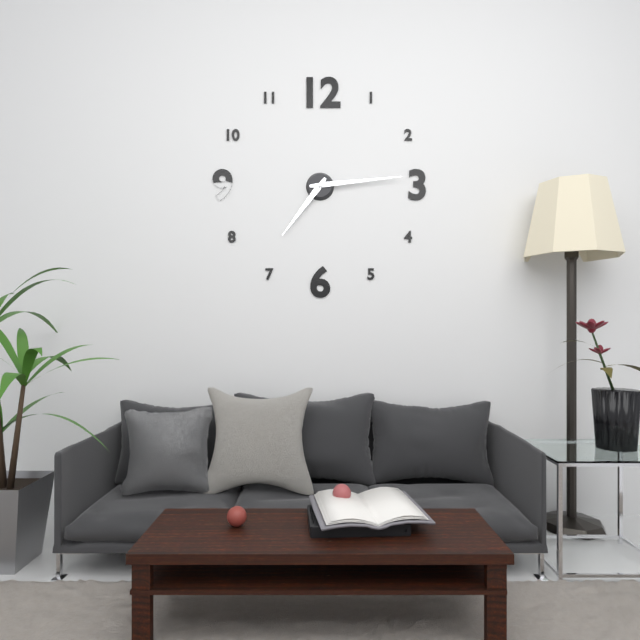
7.14
